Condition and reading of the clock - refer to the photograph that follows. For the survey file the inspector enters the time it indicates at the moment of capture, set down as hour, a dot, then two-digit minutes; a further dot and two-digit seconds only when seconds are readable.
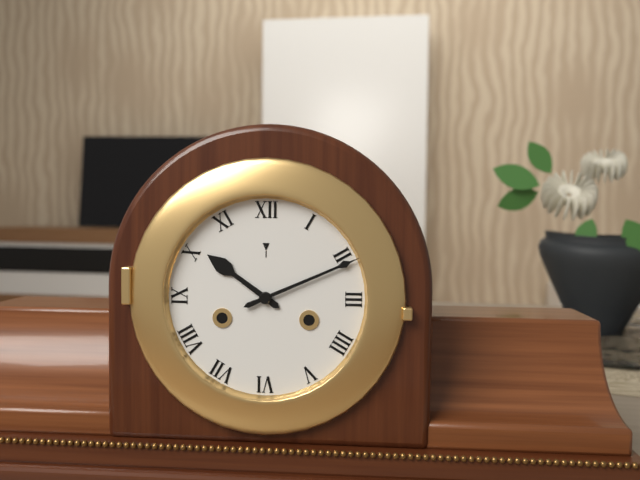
10.11
